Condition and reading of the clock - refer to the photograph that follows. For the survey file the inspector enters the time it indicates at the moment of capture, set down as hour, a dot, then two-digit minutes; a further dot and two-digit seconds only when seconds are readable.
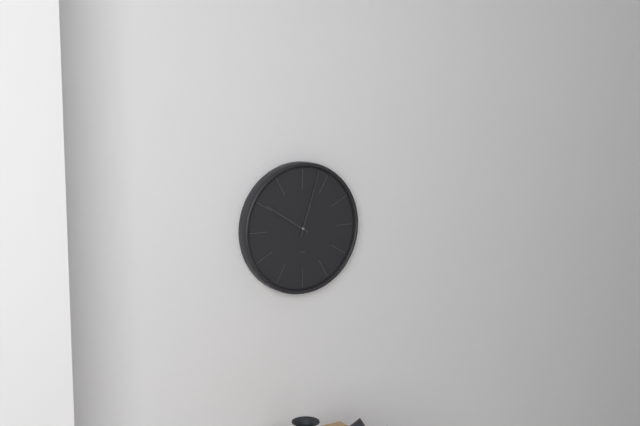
10.03
